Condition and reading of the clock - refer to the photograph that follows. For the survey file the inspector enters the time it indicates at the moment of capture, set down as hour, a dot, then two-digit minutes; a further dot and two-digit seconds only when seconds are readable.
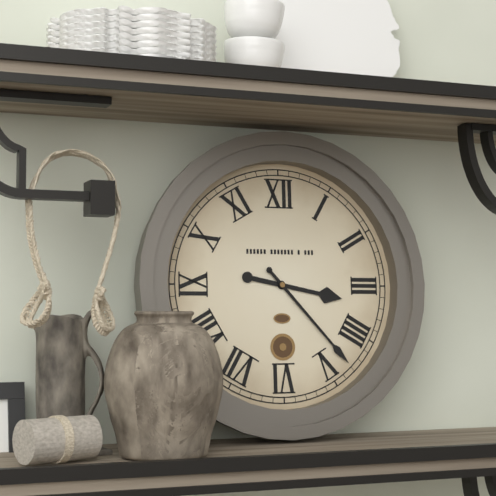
3.23
